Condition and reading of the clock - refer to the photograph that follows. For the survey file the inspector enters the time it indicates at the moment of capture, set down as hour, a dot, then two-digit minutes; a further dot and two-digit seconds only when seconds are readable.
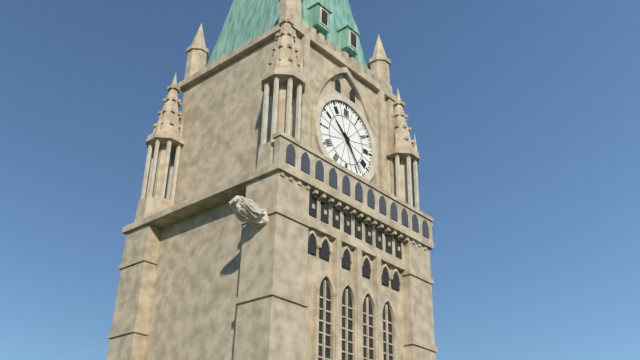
10.24
